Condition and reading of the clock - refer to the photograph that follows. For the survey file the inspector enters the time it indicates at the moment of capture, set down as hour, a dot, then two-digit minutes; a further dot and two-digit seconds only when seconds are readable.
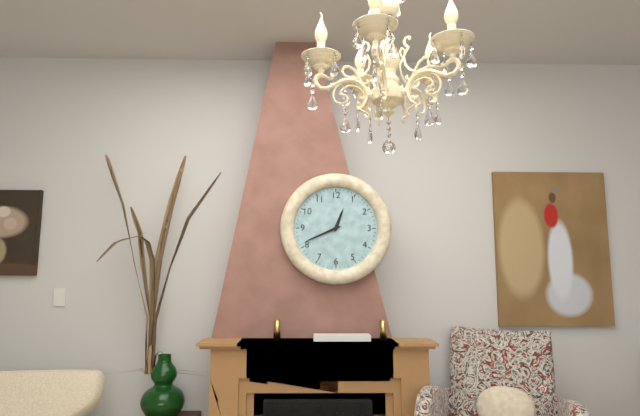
12.41
